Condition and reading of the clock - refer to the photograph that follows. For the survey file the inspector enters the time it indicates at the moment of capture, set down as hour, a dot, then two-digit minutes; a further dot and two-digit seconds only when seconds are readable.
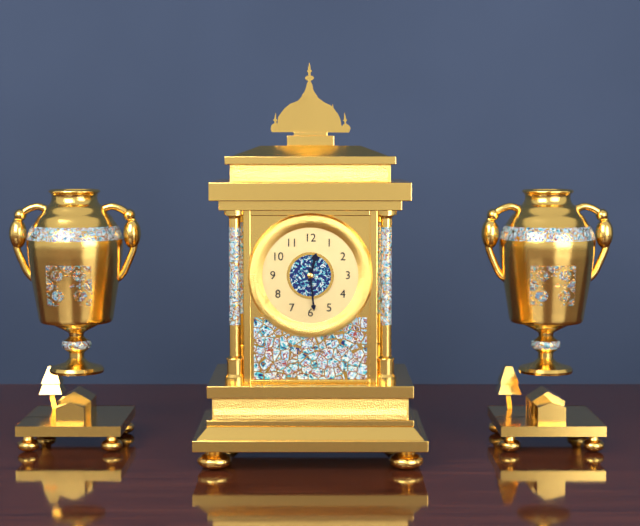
12.29
